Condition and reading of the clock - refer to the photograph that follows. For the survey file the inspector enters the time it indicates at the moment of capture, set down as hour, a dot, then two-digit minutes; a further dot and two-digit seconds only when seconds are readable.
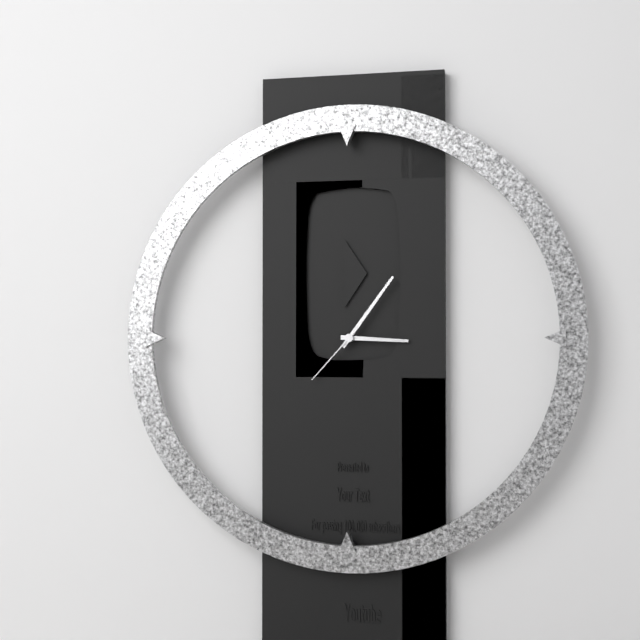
3.06.37
